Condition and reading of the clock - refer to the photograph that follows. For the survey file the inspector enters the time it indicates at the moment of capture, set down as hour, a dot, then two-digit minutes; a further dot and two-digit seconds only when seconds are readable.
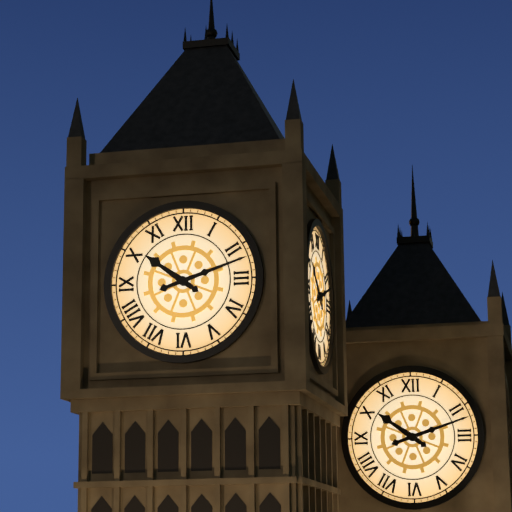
10.12
